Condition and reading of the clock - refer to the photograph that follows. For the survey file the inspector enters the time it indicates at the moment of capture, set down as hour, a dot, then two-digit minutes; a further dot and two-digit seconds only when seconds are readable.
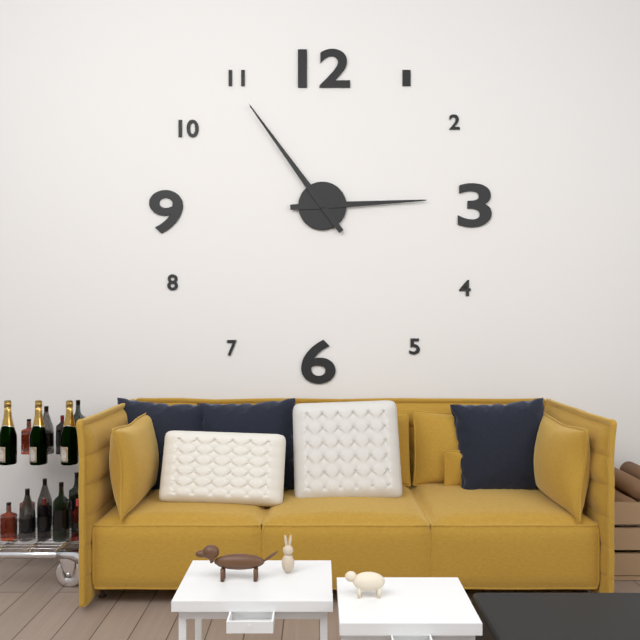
2.54
